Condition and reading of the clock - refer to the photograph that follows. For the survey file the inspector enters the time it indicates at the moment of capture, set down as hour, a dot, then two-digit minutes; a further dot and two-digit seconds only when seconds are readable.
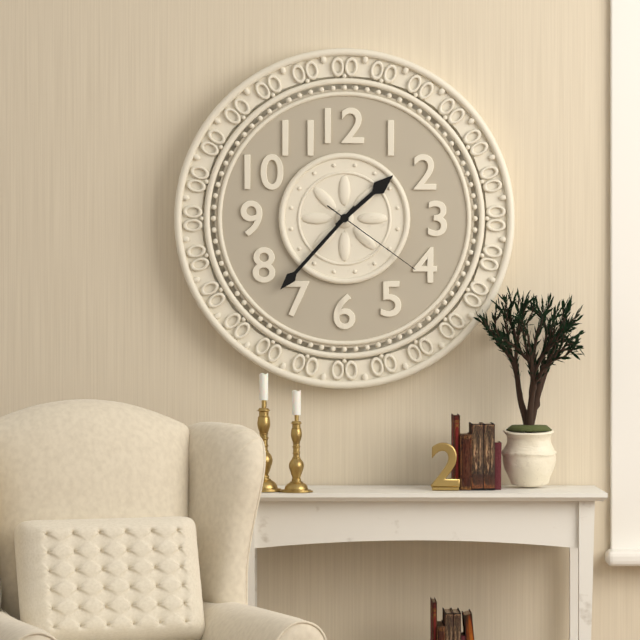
1.37.21
